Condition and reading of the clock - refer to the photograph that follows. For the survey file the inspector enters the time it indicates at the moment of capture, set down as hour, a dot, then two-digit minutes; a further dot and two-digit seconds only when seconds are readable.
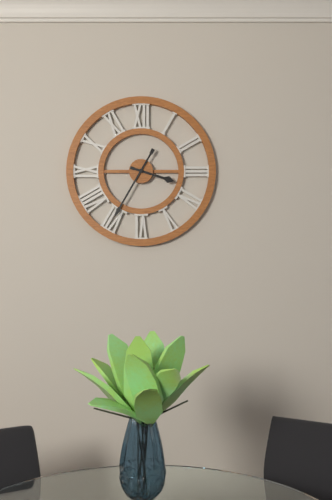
3.35
